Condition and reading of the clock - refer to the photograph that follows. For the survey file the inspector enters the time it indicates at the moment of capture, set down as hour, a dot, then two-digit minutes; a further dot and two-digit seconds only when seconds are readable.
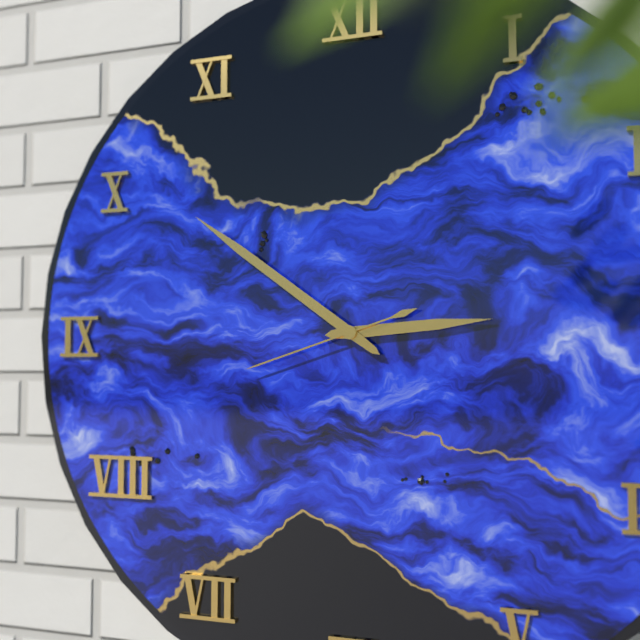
2.51.42
